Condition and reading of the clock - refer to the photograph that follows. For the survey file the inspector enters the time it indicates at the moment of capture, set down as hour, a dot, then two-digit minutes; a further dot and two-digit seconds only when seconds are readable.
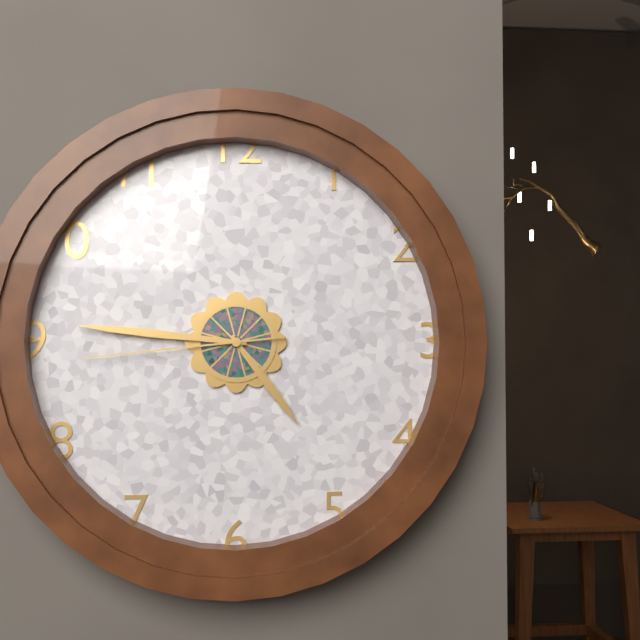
4.46.44
